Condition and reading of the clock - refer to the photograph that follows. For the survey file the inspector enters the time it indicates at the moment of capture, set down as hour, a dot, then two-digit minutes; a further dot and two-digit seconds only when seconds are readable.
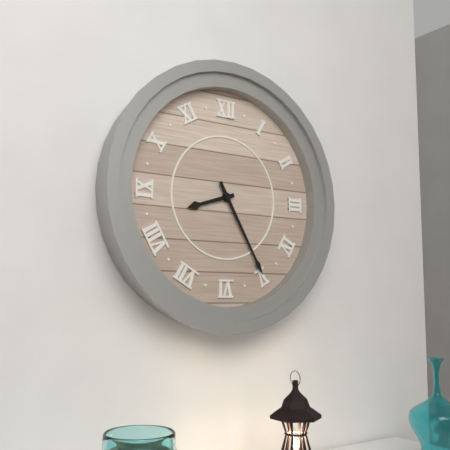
8.25
